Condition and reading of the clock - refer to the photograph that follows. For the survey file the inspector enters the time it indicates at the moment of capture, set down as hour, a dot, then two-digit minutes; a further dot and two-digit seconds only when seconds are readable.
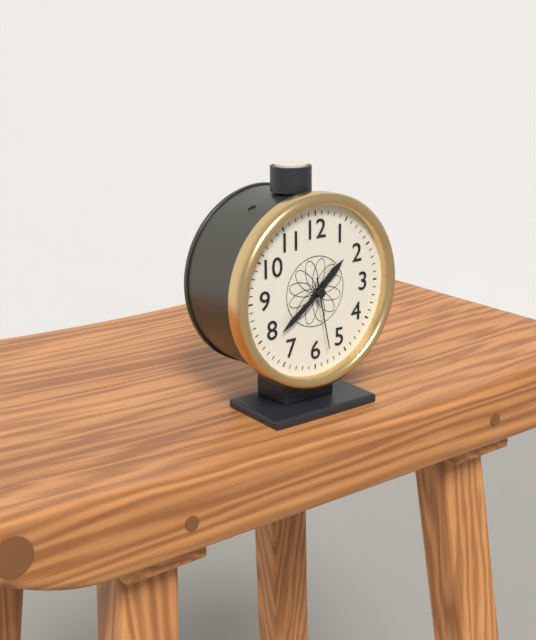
1.39.28
